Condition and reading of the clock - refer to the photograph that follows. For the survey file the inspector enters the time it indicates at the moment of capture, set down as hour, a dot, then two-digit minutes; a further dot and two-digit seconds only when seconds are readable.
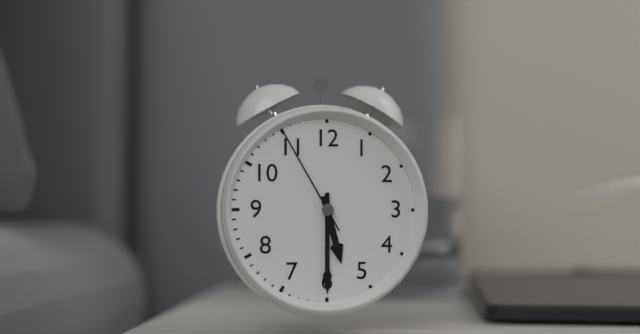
5.30.55
